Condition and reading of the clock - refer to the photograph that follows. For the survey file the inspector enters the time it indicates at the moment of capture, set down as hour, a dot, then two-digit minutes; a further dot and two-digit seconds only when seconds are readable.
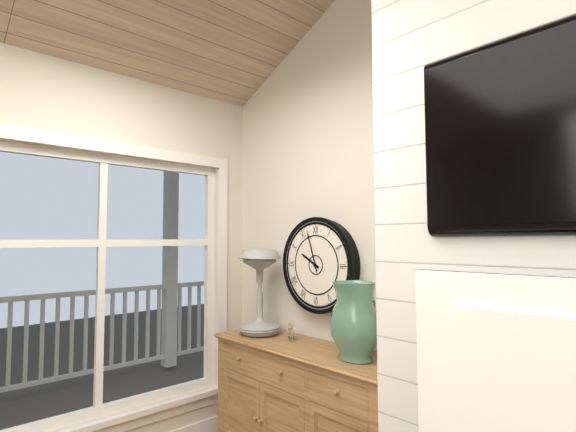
9.57
